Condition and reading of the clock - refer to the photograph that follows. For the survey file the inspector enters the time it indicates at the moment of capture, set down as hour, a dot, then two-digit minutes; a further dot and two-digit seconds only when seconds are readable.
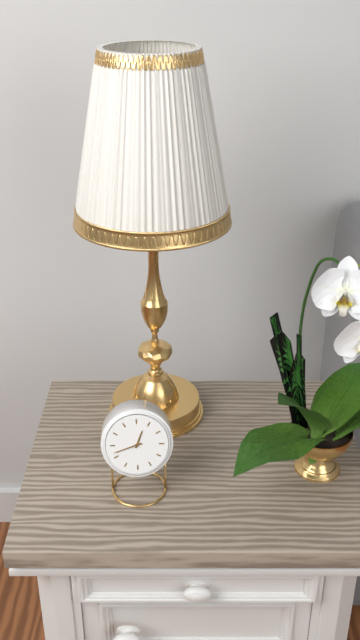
12.42
